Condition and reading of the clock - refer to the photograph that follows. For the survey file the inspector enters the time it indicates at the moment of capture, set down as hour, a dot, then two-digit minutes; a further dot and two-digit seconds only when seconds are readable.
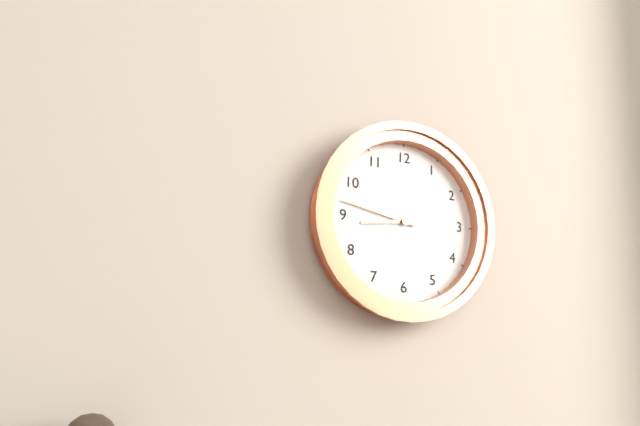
8.47
